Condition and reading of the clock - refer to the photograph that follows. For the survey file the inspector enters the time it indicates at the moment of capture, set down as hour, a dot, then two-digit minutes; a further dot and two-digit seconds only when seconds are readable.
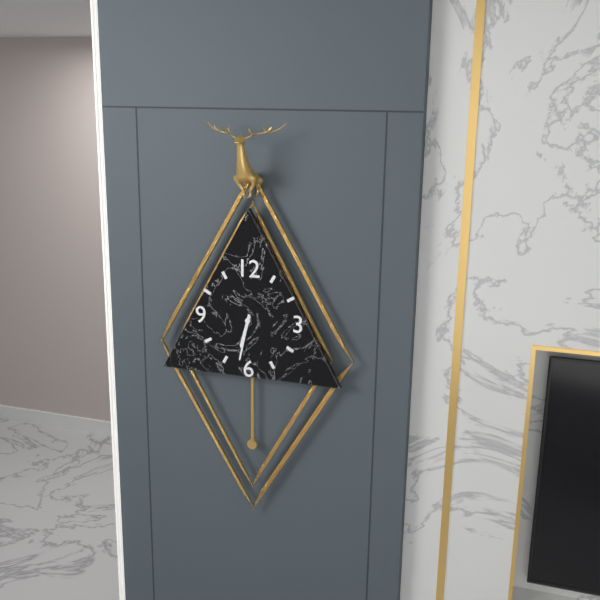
6.32
